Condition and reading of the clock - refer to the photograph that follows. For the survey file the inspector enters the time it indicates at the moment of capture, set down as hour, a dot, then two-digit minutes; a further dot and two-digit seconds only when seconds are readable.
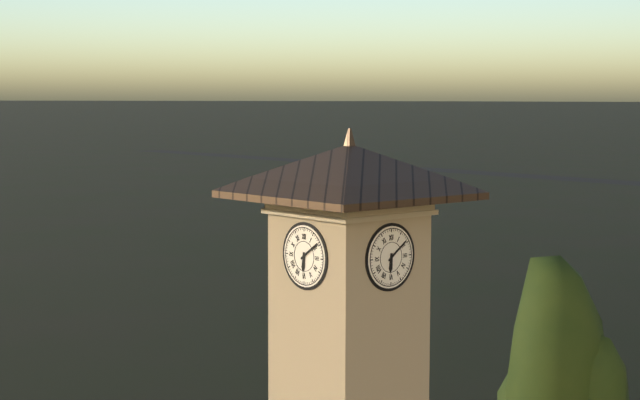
6.09
